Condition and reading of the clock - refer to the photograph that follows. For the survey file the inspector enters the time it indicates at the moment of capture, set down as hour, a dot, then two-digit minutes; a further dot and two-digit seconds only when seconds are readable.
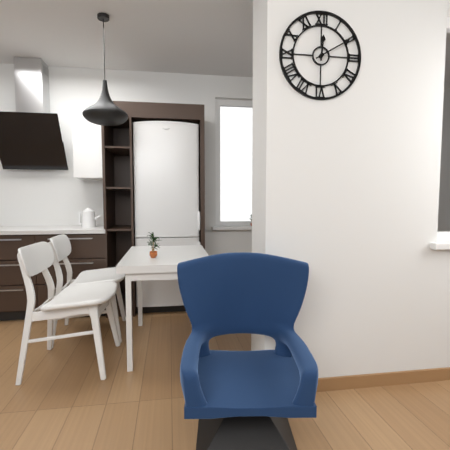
12.10
